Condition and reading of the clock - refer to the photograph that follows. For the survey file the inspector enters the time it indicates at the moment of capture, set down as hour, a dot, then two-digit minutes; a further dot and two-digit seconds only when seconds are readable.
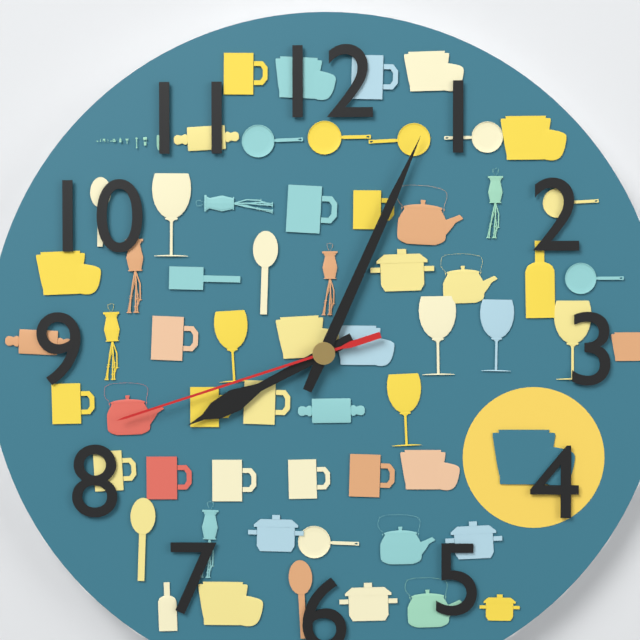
8.04.42
